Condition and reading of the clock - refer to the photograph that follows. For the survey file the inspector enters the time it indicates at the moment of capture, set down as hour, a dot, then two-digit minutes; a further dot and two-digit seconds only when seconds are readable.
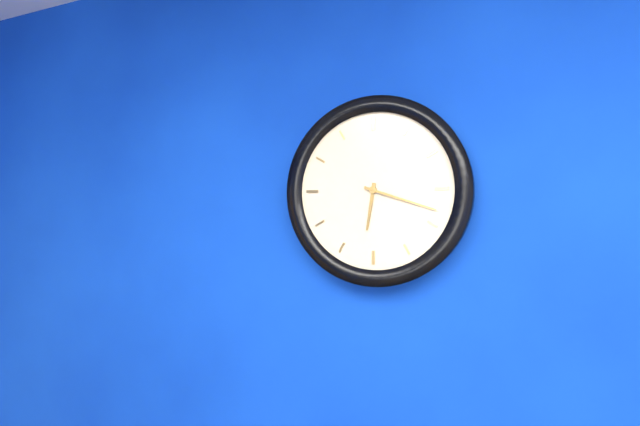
6.18
